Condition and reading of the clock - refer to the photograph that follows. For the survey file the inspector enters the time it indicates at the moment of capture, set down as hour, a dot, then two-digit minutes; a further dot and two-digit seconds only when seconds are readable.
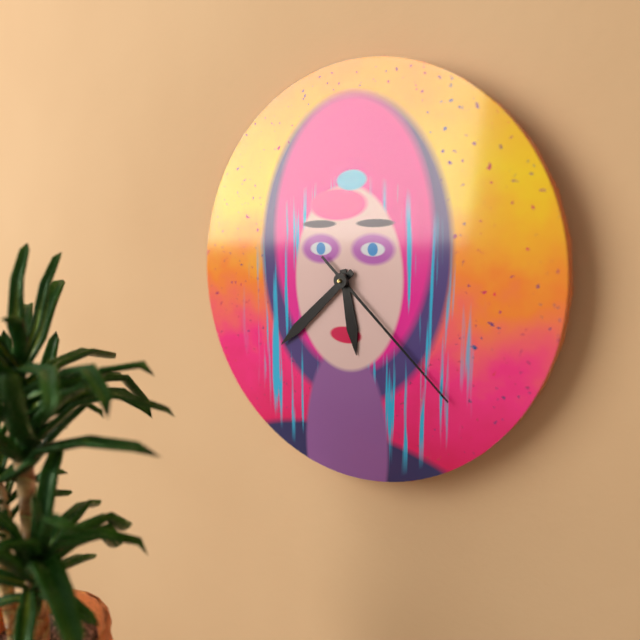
5.38.22
